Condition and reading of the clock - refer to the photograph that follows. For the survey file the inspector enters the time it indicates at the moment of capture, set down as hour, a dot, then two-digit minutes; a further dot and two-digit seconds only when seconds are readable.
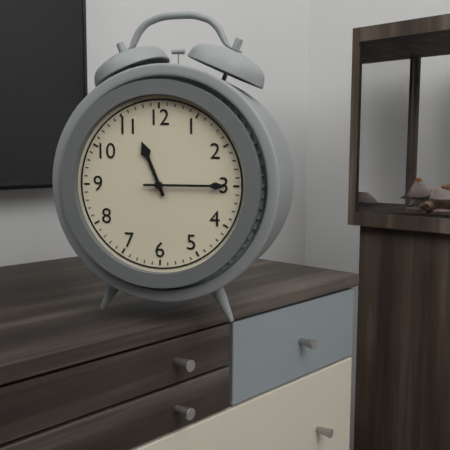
11.15
